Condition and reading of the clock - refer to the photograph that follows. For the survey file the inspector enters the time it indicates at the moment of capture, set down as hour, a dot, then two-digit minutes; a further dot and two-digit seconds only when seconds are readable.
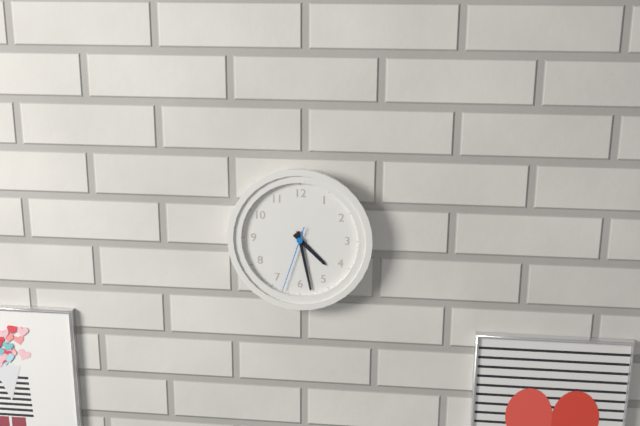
4.28.33
